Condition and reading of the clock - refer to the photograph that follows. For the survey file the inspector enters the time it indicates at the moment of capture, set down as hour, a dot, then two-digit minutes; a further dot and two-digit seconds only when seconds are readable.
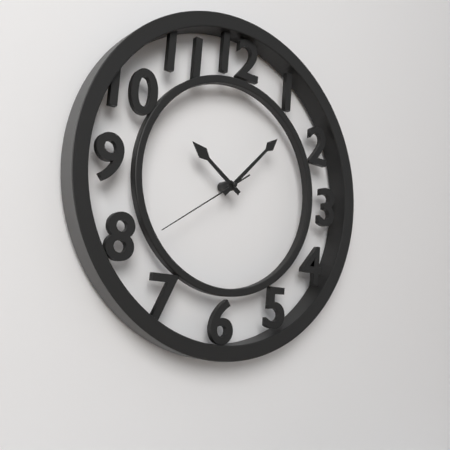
10.07.39
